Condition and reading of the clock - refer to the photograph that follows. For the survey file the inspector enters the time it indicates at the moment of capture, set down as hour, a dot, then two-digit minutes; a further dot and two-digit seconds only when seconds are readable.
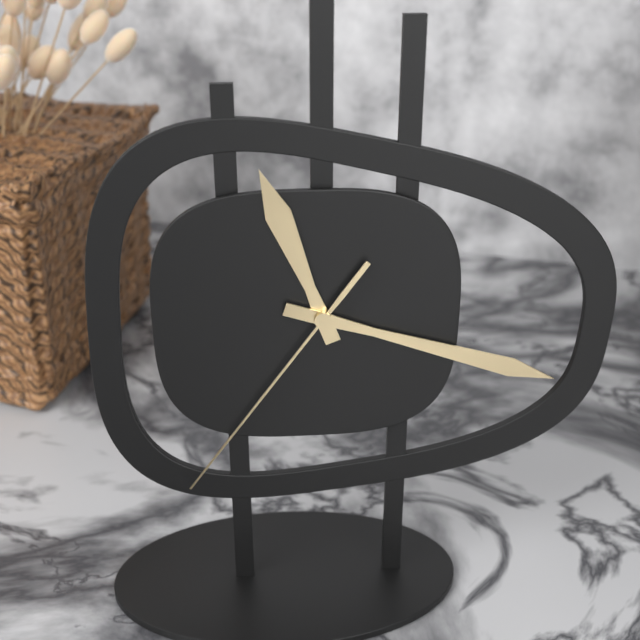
11.18.36
